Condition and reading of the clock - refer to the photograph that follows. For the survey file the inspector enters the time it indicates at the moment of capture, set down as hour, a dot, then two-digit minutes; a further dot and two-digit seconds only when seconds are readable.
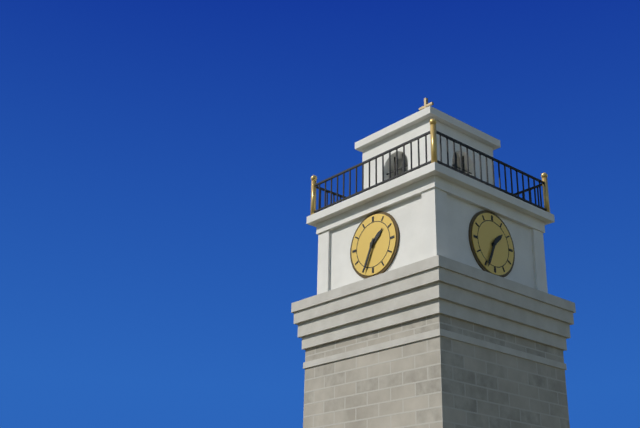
1.34
